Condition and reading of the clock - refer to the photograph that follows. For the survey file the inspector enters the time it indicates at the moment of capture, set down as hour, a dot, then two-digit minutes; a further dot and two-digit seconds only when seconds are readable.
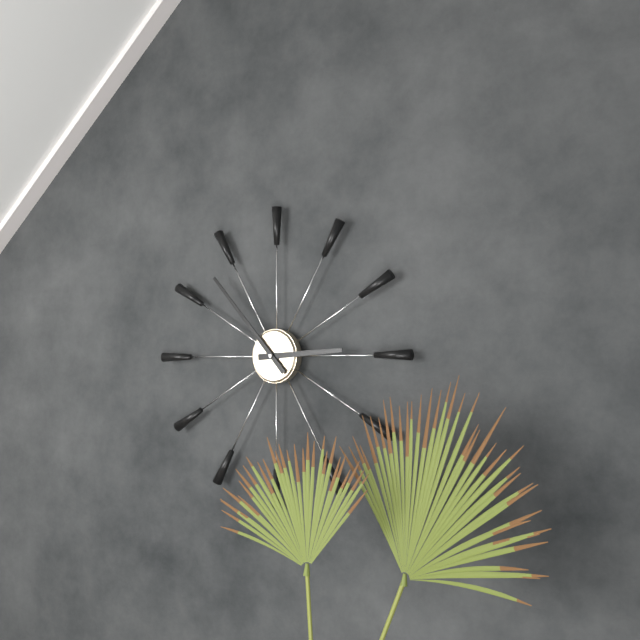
2.53
